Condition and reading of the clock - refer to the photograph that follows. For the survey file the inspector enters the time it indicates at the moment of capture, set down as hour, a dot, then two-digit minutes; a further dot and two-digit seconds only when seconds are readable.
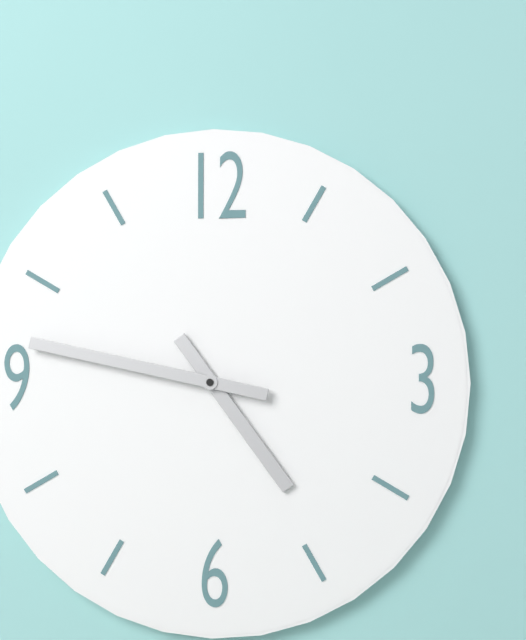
4.47
